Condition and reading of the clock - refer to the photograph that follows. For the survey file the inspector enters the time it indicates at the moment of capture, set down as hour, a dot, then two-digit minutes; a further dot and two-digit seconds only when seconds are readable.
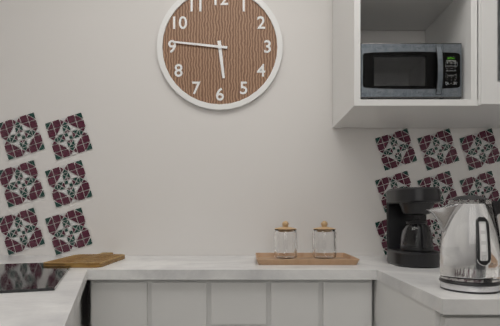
5.46
